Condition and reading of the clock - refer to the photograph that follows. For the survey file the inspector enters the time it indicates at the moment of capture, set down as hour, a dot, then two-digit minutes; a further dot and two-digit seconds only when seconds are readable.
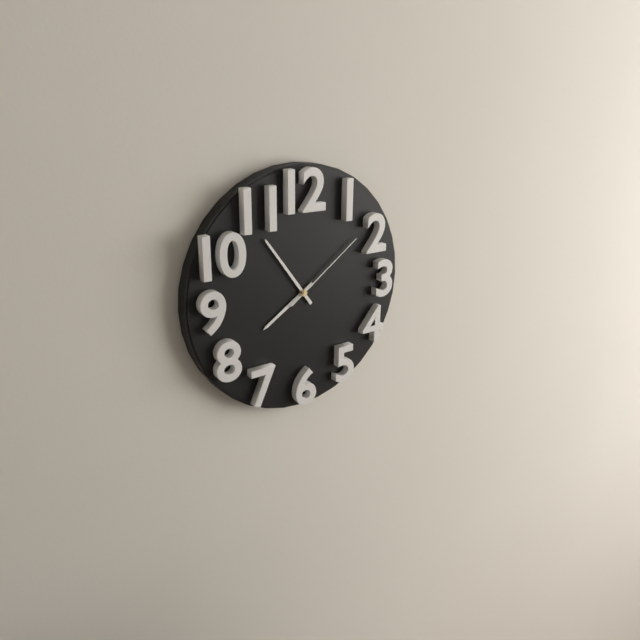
7.54.09
